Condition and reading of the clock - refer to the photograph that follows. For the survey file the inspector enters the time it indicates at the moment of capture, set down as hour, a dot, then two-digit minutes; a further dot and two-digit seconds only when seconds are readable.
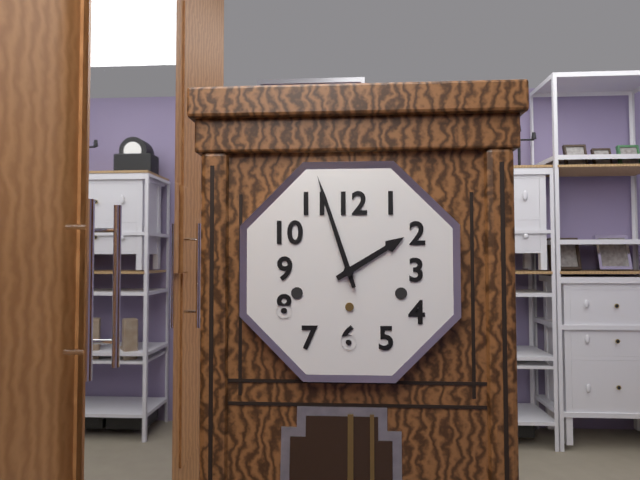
1.57
